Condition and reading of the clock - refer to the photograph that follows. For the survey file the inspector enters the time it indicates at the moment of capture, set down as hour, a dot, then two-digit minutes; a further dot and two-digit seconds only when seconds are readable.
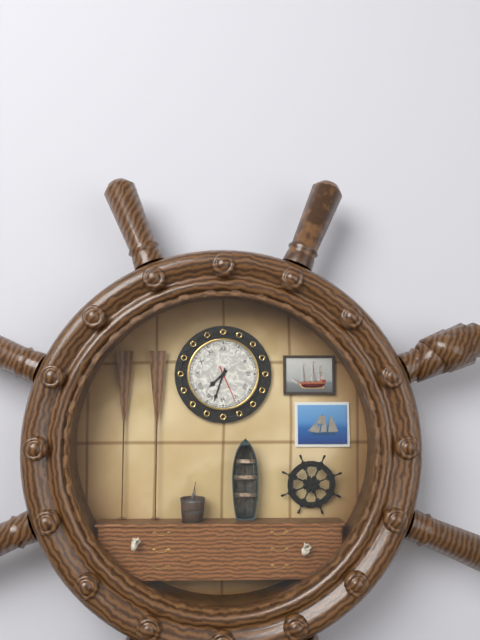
7.33
